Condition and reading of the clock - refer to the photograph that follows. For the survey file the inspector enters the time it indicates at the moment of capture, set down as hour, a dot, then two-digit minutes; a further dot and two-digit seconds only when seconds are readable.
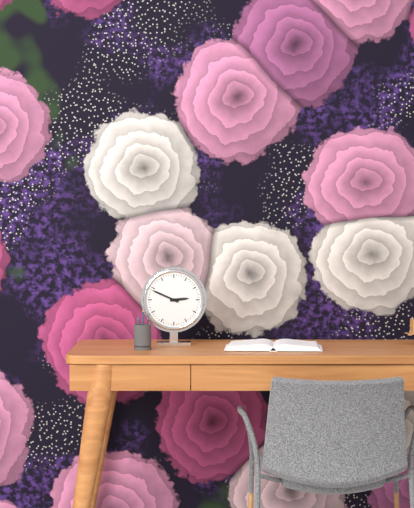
2.49
